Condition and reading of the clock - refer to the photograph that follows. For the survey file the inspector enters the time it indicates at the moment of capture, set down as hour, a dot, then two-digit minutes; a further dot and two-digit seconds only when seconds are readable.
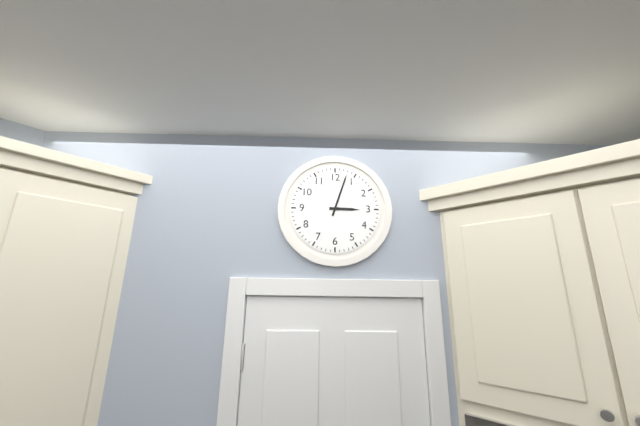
3.03
